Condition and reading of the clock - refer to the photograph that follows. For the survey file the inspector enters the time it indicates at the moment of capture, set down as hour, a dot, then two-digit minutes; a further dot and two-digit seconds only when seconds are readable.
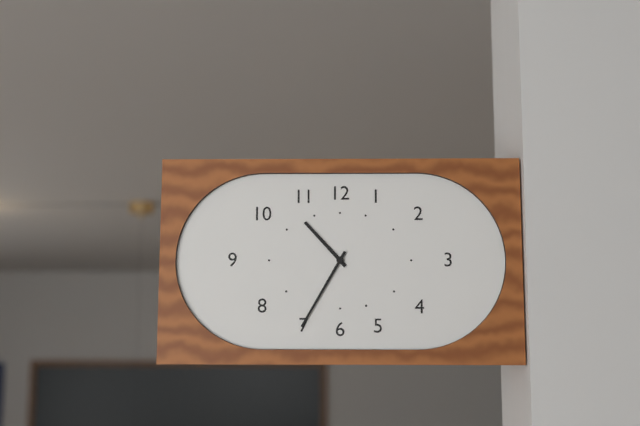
10.35
